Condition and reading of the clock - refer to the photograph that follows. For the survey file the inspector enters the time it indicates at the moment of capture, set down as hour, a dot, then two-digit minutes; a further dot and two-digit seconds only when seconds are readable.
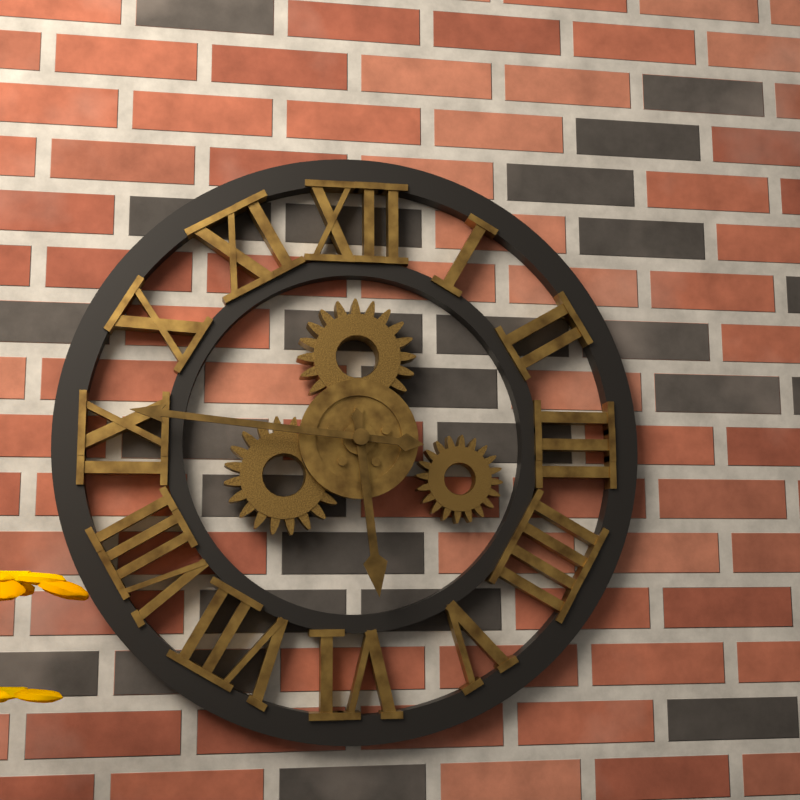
5.46
